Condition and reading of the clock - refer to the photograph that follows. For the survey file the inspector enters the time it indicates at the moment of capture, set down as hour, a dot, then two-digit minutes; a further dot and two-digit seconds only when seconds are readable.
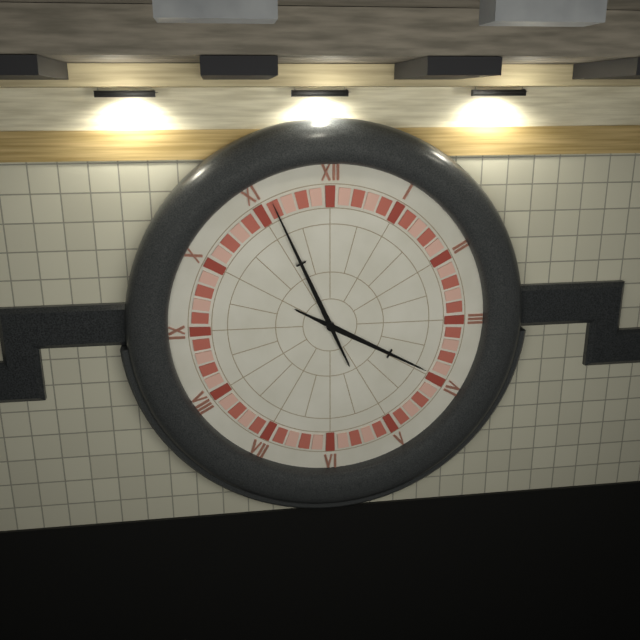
3.56
